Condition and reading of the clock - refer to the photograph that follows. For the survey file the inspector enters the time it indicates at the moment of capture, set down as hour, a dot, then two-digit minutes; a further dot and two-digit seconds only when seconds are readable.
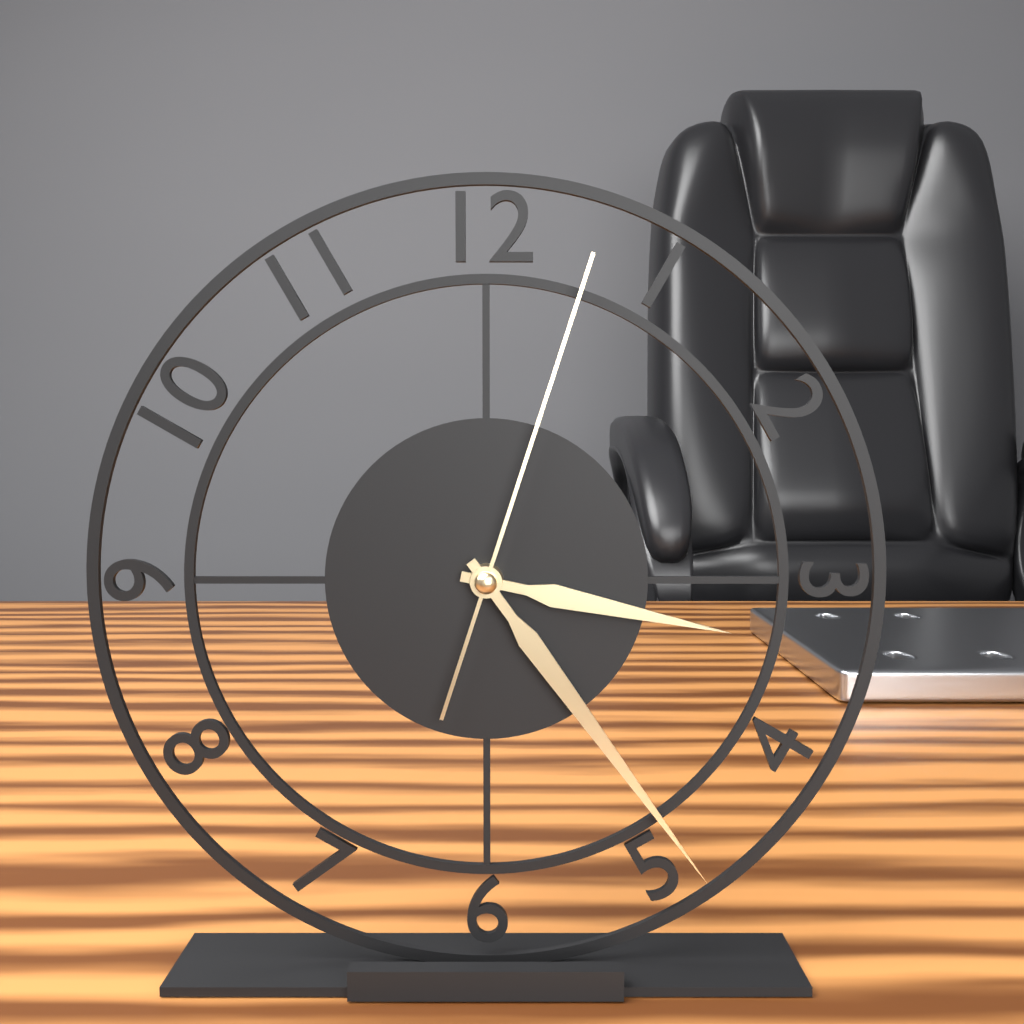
3.24.03
